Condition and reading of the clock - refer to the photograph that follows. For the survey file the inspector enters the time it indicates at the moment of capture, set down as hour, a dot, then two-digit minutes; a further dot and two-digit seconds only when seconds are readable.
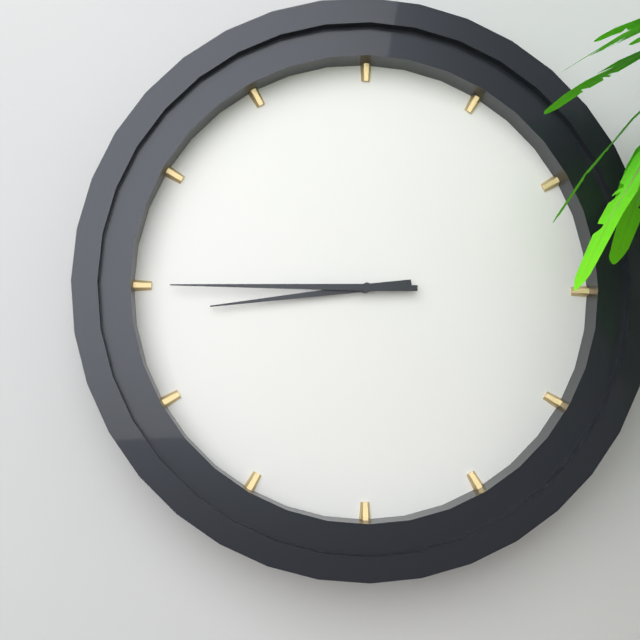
8.45
